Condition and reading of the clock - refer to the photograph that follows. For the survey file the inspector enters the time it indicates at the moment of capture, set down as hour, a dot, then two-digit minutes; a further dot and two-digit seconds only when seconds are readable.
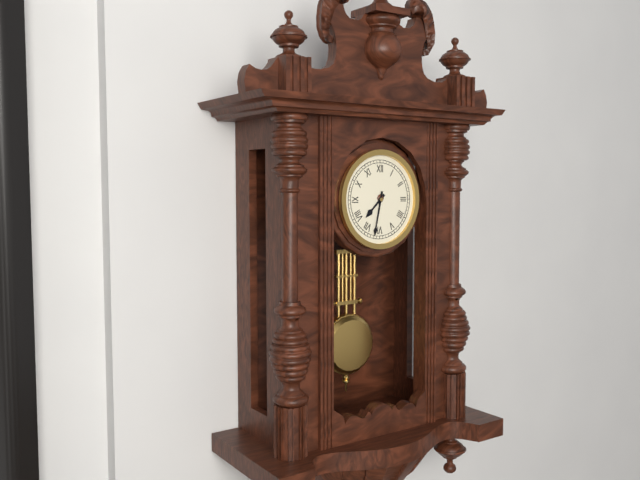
7.32
